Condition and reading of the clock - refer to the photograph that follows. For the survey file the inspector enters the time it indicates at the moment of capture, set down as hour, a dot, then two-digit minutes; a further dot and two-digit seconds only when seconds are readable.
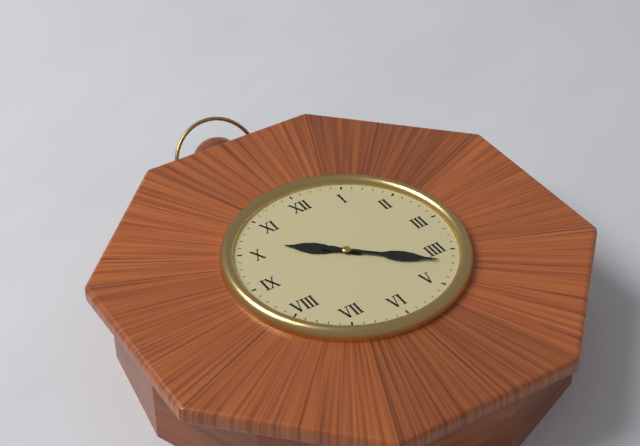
10.22
